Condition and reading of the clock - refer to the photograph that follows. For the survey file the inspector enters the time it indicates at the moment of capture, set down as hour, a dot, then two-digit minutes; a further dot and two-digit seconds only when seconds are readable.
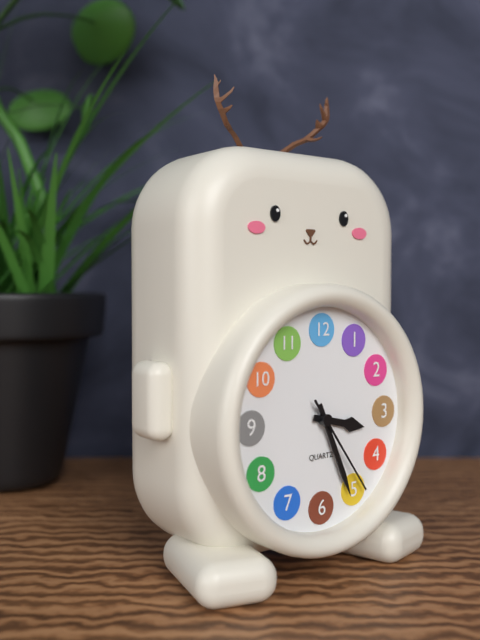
3.26.24
